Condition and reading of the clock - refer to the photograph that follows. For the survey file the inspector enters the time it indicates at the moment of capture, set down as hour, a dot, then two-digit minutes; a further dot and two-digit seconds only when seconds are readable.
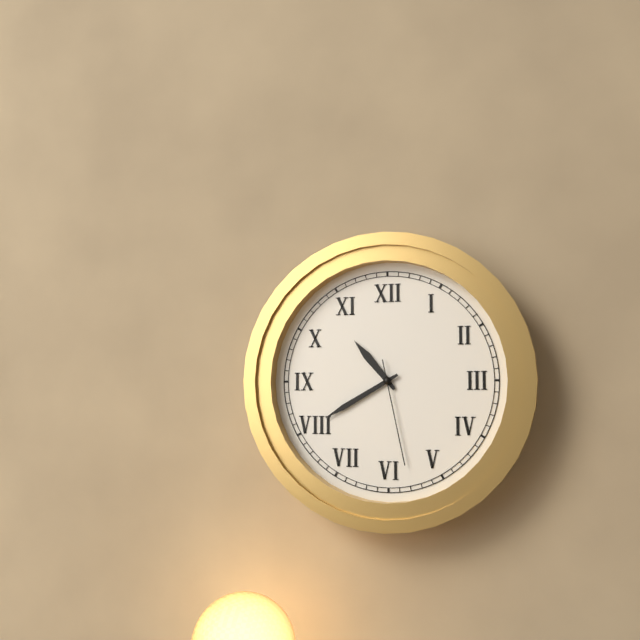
10.40.28
